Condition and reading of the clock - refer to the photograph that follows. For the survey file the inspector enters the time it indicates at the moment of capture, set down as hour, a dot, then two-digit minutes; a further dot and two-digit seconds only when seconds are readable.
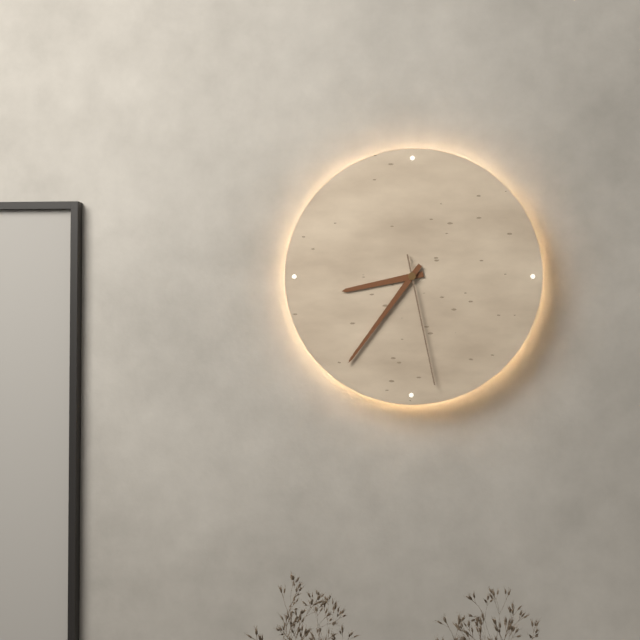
8.36.28
